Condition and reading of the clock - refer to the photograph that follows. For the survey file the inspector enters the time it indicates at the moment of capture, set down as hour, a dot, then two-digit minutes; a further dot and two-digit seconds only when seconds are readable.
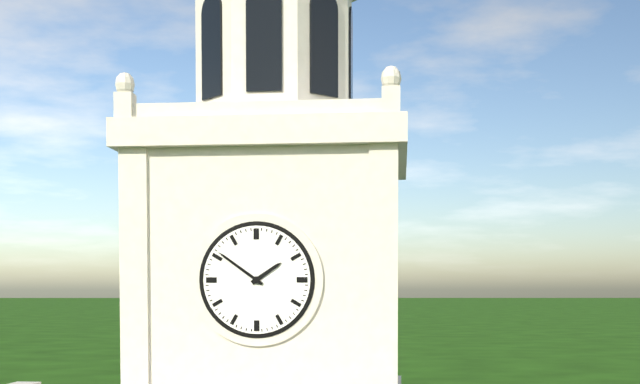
1.51
